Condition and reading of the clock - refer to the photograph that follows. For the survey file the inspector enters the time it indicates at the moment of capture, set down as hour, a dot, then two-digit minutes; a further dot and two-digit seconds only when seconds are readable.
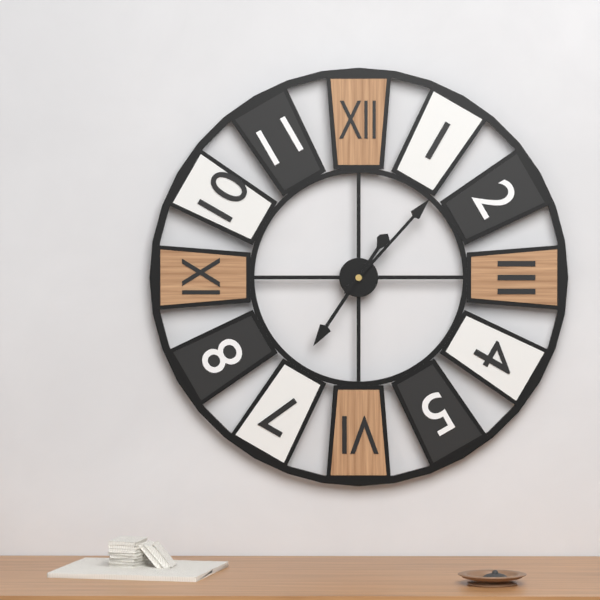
7.07
